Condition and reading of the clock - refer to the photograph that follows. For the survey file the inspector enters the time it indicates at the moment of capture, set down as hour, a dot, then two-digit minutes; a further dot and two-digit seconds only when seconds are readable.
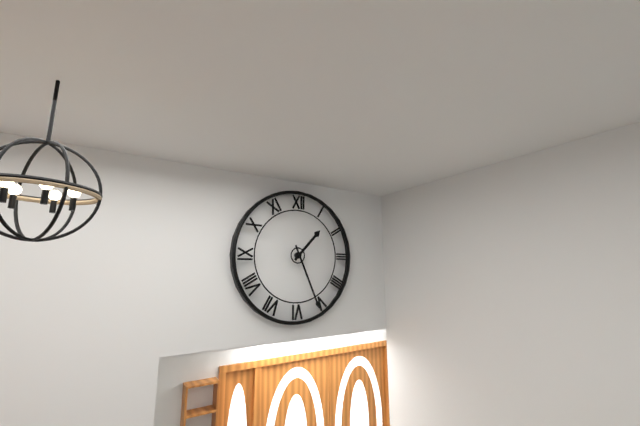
1.26
